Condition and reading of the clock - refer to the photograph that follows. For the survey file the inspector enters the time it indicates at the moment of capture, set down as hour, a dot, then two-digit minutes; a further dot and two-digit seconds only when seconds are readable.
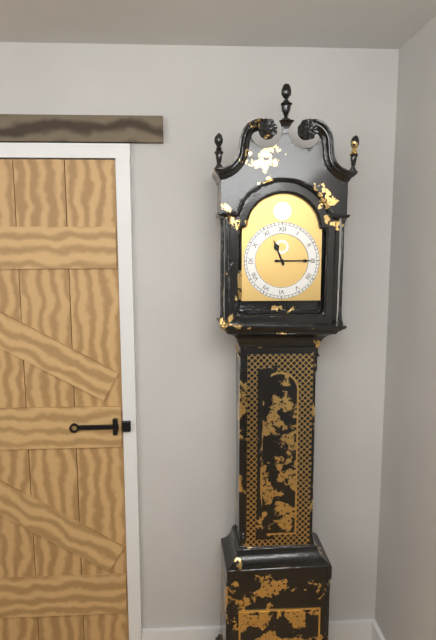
11.15
